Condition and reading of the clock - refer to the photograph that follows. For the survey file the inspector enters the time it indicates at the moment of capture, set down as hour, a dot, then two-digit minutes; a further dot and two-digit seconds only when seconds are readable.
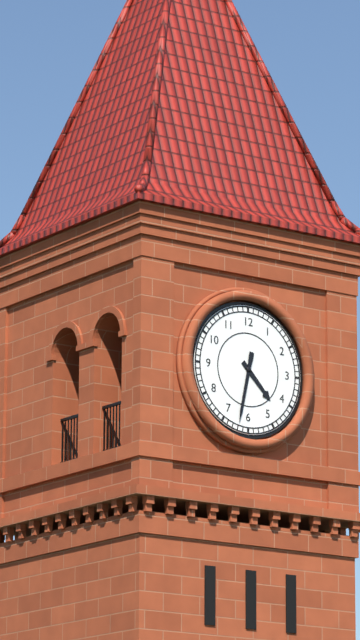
4.32
